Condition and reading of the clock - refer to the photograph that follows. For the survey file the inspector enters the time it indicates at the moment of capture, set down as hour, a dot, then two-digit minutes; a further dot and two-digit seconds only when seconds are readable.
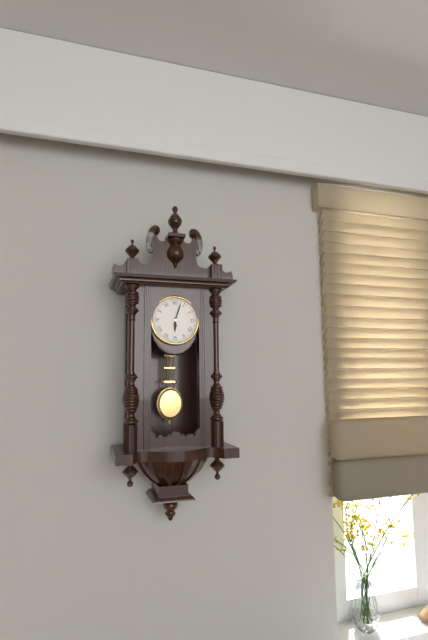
6.03
